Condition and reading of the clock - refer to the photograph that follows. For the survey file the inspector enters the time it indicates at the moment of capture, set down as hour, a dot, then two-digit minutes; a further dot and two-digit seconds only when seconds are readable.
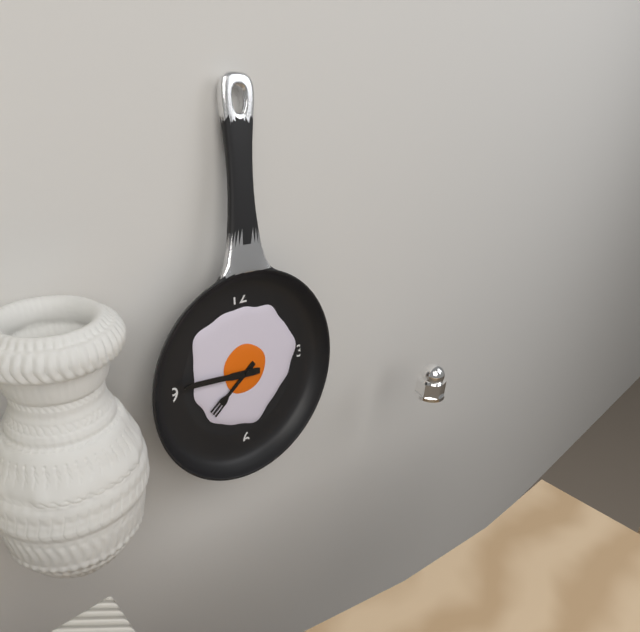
7.46
